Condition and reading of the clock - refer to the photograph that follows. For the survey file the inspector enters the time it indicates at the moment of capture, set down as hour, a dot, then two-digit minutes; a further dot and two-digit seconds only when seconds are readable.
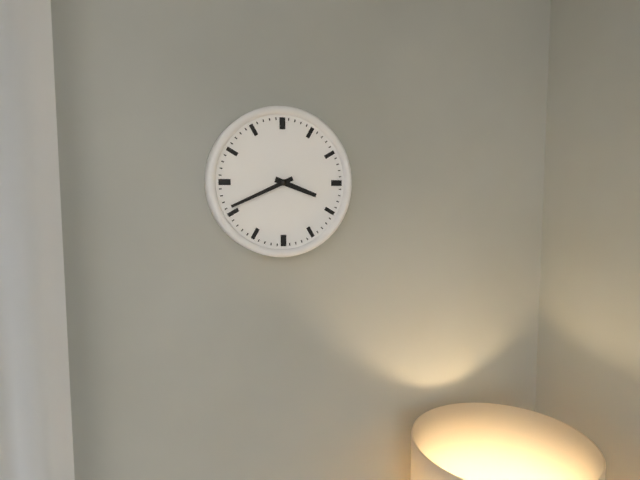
3.41
